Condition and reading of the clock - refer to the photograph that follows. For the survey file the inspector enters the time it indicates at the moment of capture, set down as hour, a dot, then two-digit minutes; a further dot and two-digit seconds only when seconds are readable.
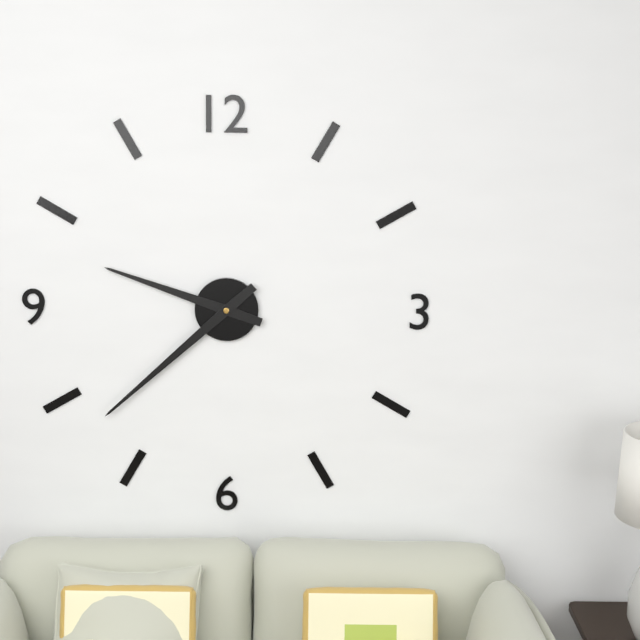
9.38
